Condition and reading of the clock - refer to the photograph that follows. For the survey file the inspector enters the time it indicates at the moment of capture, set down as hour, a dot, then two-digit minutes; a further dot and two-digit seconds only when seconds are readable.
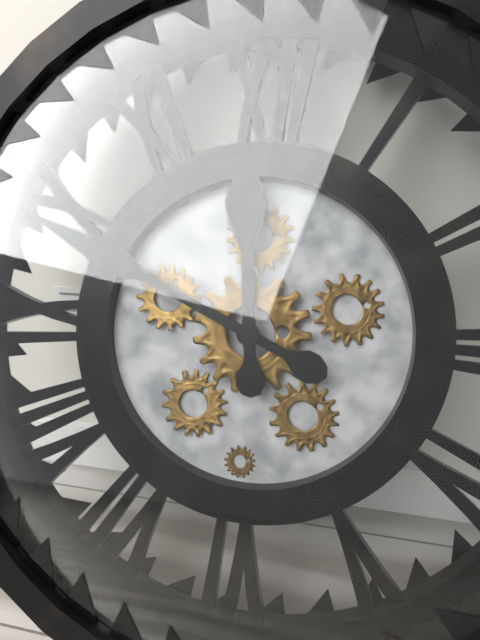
11.49
